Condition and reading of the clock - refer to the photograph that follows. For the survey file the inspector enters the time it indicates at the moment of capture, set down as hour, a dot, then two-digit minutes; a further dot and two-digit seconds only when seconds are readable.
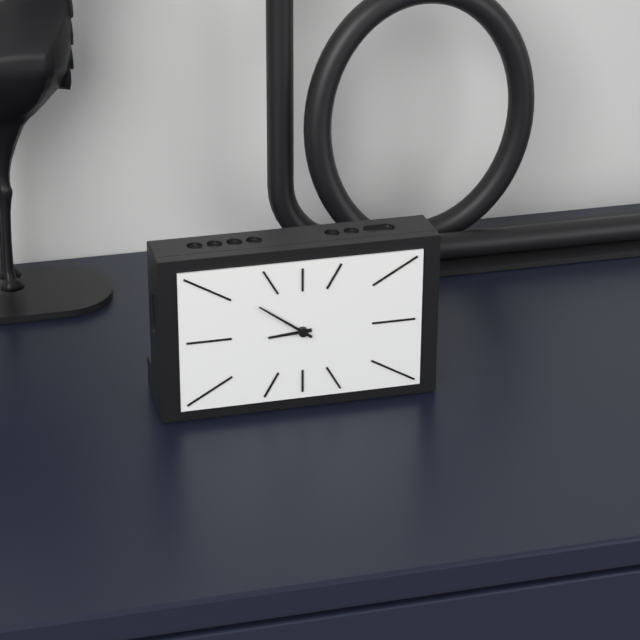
8.51
